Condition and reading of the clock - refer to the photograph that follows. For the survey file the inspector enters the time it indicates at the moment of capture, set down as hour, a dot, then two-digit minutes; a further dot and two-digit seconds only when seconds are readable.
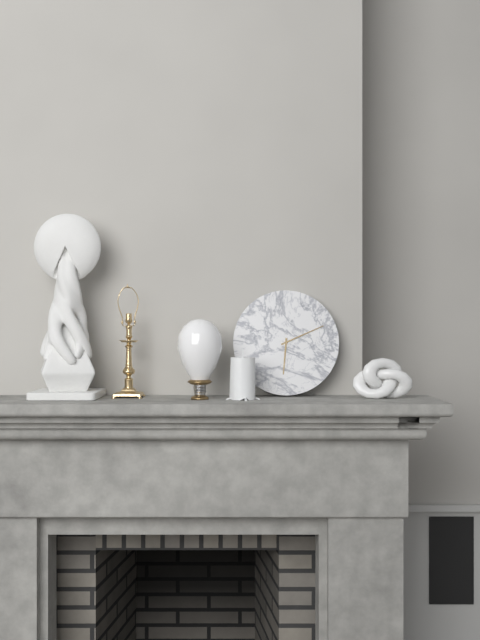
6.11
